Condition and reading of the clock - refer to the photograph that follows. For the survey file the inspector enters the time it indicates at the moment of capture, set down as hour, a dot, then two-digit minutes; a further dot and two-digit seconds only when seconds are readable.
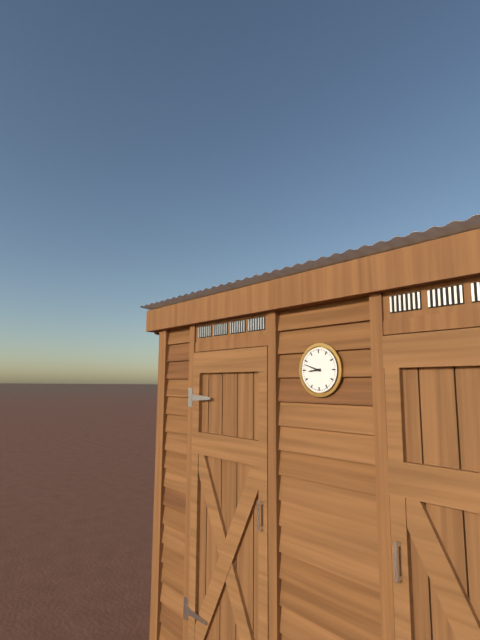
8.48
